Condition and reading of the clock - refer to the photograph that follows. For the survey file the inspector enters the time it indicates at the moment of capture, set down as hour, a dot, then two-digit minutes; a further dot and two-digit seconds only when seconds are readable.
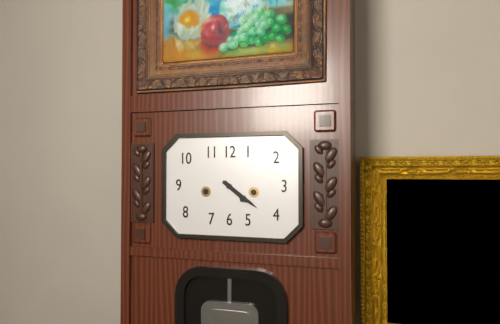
4.21
